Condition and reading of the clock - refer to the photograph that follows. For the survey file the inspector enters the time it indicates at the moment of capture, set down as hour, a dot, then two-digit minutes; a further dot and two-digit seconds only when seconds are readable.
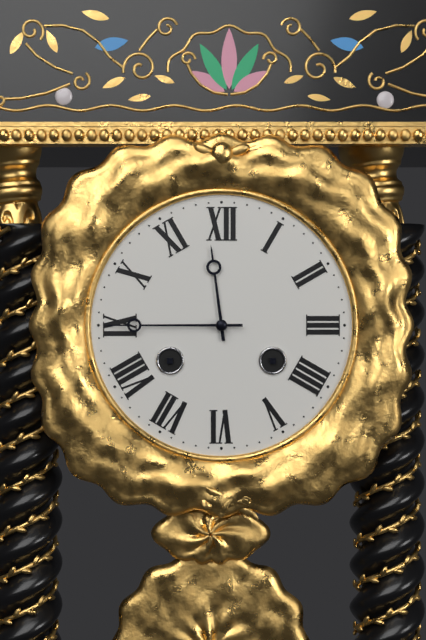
11.45
